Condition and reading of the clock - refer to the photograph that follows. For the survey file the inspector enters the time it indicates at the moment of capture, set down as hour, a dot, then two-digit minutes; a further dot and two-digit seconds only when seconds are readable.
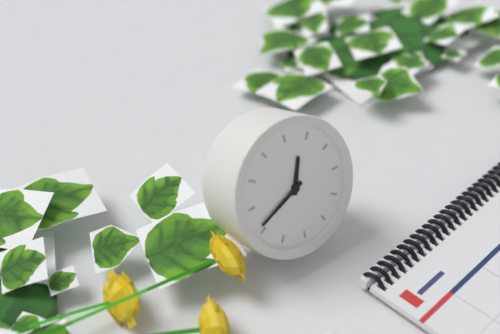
12.41
